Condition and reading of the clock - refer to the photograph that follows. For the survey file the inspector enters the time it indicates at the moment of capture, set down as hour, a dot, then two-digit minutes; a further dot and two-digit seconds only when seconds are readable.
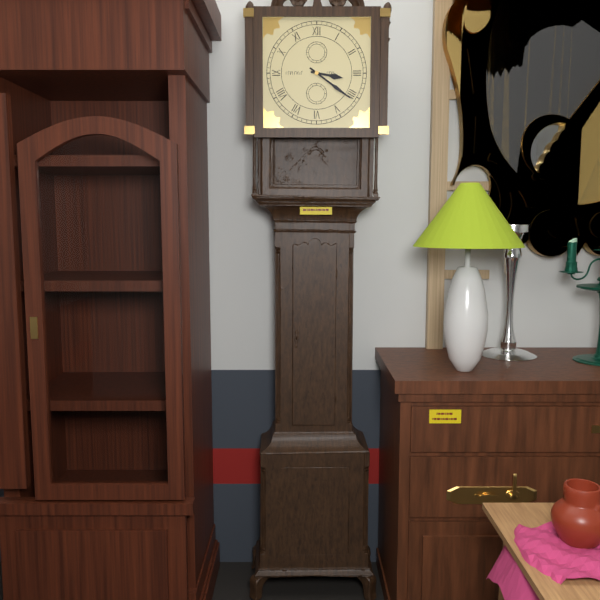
3.21
